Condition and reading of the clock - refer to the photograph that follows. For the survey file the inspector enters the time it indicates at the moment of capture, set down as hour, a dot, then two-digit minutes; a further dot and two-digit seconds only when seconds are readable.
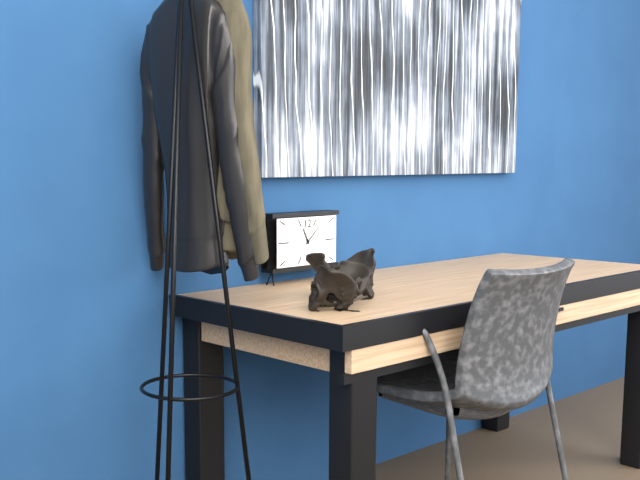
11.08
